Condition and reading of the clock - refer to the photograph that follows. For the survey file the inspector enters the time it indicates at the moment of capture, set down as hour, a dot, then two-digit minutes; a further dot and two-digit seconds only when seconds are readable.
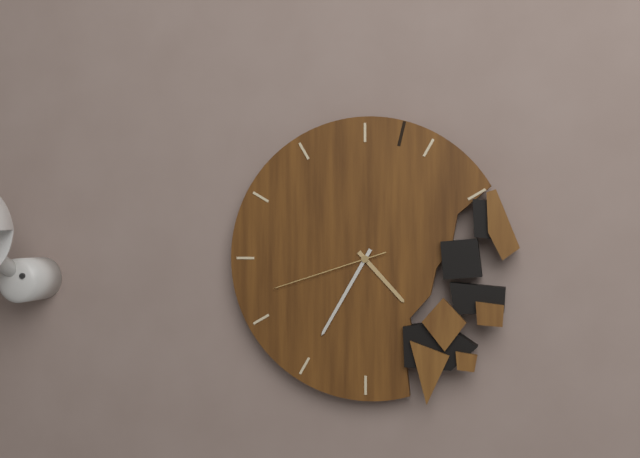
4.35.42
